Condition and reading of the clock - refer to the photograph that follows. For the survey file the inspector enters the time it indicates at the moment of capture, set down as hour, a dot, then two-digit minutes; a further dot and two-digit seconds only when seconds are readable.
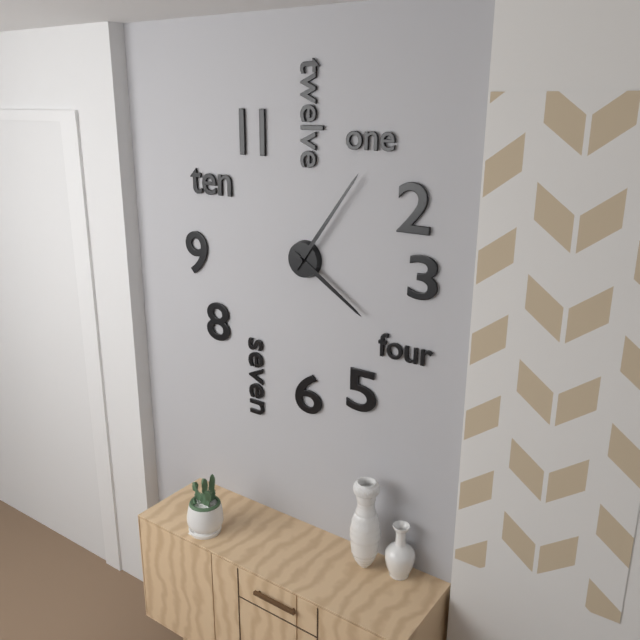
4.06
